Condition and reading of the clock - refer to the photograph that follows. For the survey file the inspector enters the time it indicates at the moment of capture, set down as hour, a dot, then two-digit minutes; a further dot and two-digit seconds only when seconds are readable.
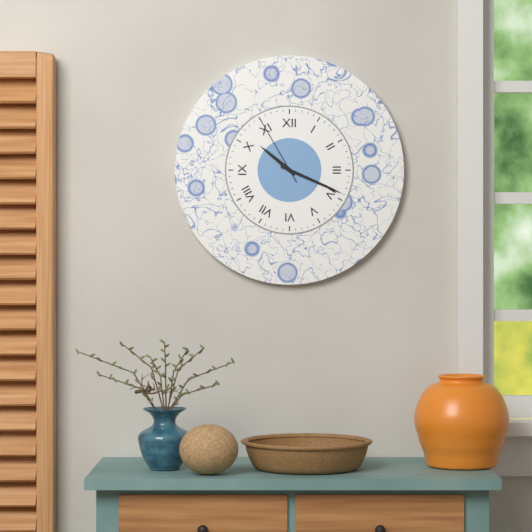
10.19.55
